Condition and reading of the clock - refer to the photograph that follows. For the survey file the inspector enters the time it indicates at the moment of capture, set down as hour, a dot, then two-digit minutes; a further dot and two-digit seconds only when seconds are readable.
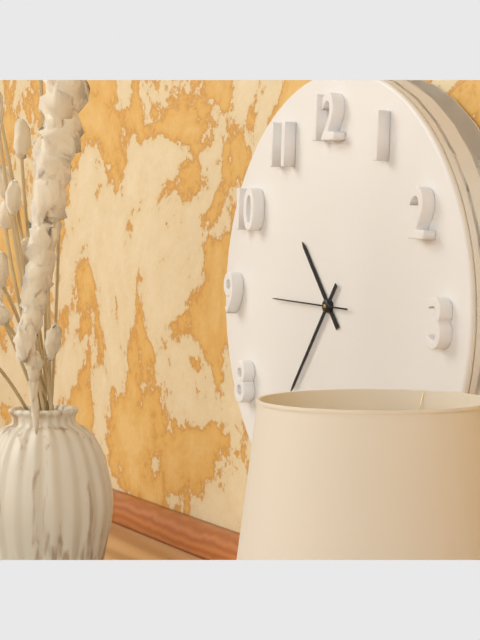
10.36.45
